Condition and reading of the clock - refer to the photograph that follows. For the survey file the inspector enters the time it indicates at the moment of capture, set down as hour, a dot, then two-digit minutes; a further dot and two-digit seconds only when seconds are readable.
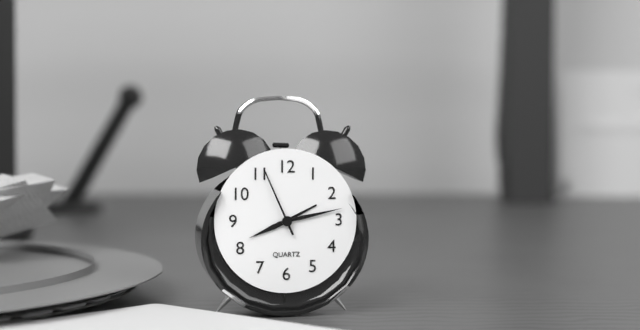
8.13.56
